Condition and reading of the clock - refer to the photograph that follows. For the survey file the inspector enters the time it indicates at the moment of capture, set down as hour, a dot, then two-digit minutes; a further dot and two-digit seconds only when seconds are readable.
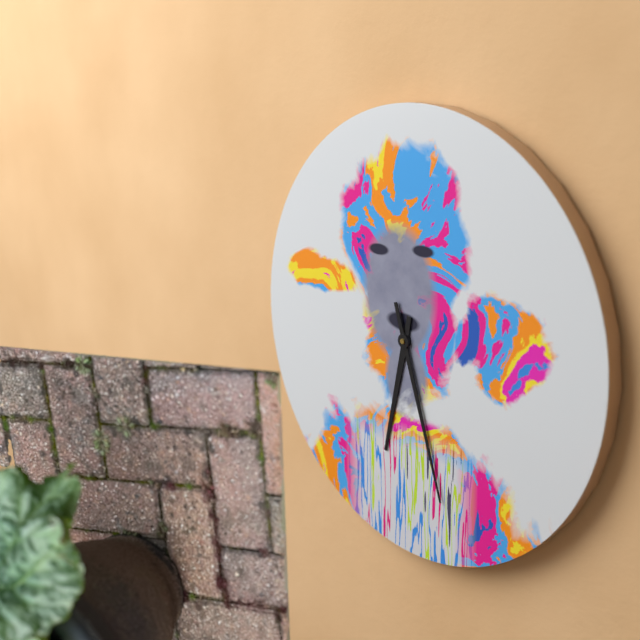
6.27
